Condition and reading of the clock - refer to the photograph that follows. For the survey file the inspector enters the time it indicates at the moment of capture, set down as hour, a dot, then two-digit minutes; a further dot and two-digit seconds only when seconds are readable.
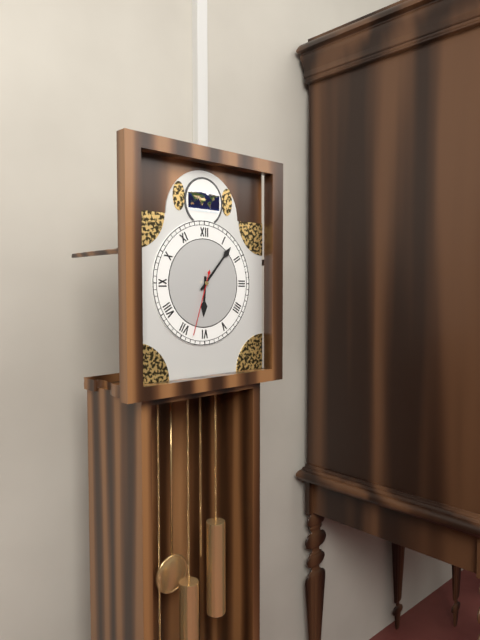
6.07.33
